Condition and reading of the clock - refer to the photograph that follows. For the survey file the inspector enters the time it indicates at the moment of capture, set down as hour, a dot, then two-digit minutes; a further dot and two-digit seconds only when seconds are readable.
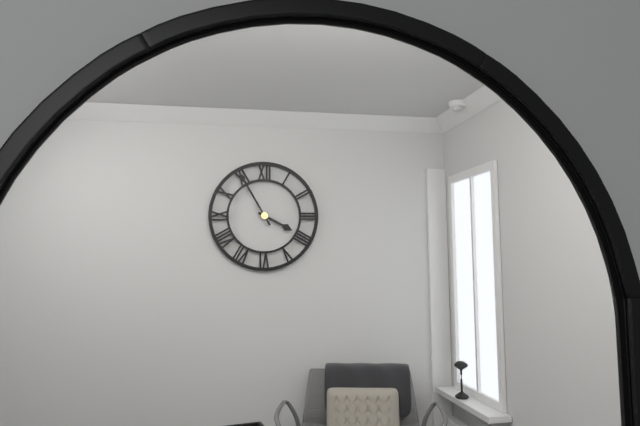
3.55
